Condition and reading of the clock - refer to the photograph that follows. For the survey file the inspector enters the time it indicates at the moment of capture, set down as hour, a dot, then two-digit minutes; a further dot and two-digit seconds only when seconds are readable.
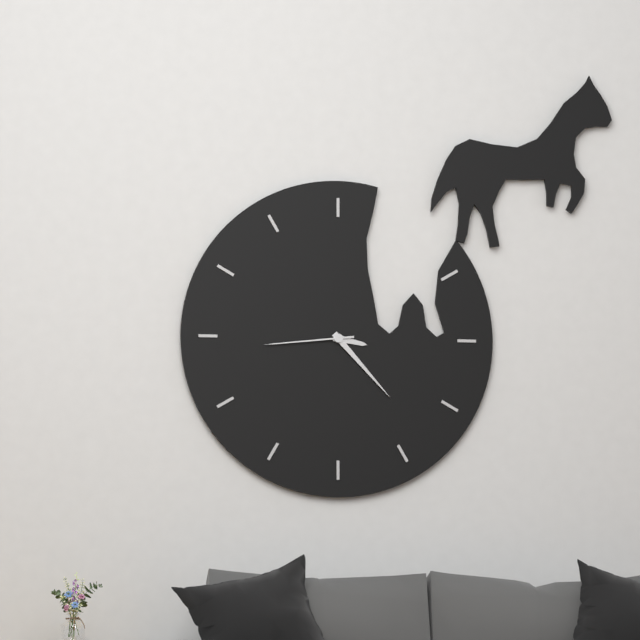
3.23.44
